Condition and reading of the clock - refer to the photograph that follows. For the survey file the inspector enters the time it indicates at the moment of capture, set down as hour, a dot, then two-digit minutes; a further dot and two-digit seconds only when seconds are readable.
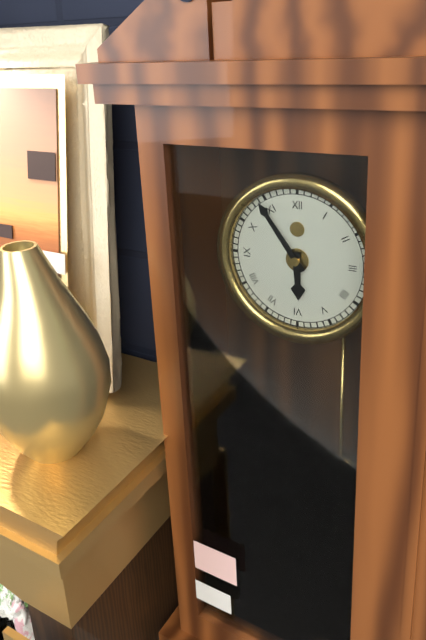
5.54
